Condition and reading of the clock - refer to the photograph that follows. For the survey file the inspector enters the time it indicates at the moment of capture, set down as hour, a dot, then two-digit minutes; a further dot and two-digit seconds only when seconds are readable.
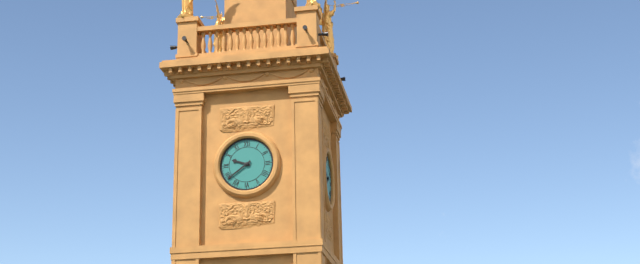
9.39
